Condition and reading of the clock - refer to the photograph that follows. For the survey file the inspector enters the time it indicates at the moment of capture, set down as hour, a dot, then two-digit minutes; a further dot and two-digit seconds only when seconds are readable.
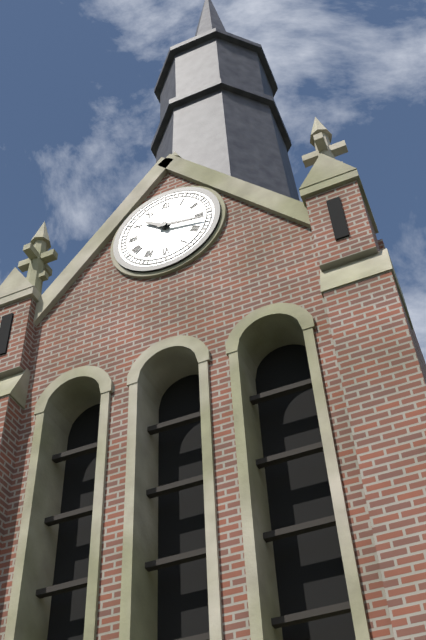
10.17
